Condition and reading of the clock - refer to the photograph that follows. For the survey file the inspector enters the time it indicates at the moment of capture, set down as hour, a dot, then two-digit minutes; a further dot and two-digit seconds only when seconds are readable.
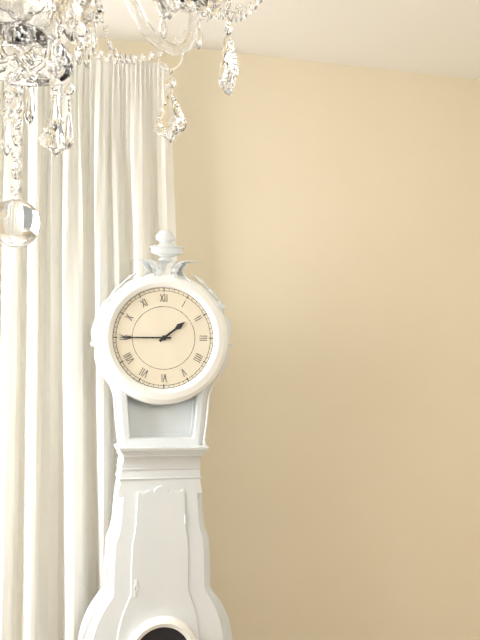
1.45
